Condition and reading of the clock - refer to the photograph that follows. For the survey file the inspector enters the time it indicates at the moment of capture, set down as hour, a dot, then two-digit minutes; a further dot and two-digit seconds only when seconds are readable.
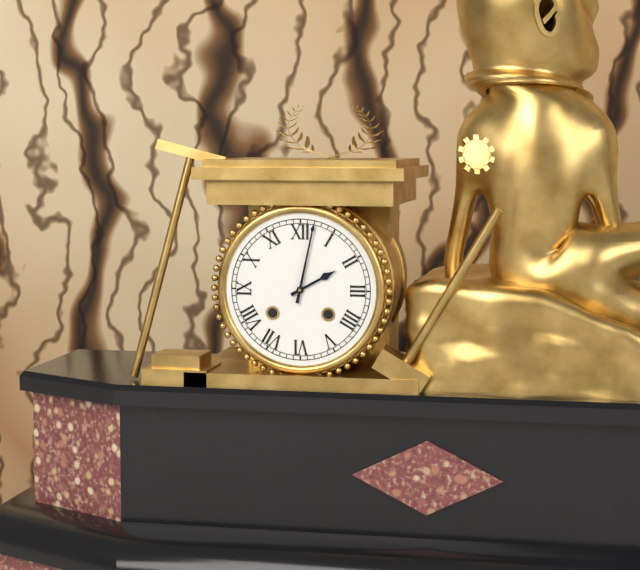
2.02
